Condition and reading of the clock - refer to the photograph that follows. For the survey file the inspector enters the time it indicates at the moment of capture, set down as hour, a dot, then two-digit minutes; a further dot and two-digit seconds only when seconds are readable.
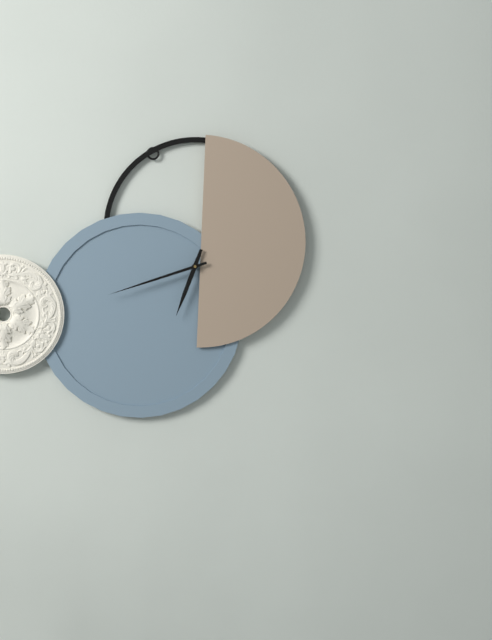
6.42
